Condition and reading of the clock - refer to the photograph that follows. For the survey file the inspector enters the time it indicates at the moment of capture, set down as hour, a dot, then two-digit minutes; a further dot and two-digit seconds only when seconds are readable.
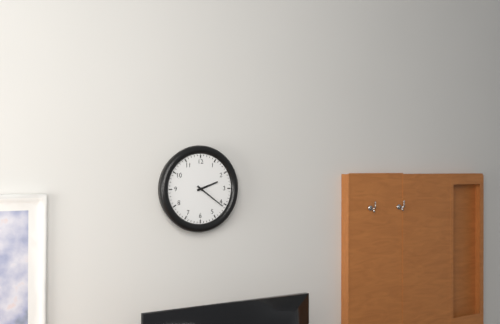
2.21
